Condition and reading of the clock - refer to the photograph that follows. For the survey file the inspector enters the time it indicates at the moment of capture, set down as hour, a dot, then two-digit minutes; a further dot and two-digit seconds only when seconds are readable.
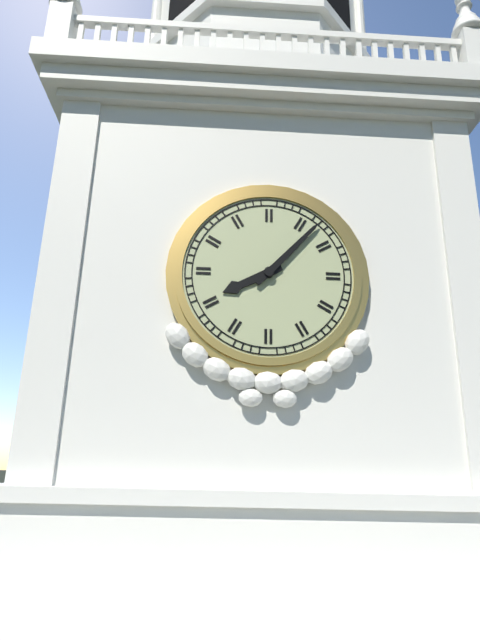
8.07
